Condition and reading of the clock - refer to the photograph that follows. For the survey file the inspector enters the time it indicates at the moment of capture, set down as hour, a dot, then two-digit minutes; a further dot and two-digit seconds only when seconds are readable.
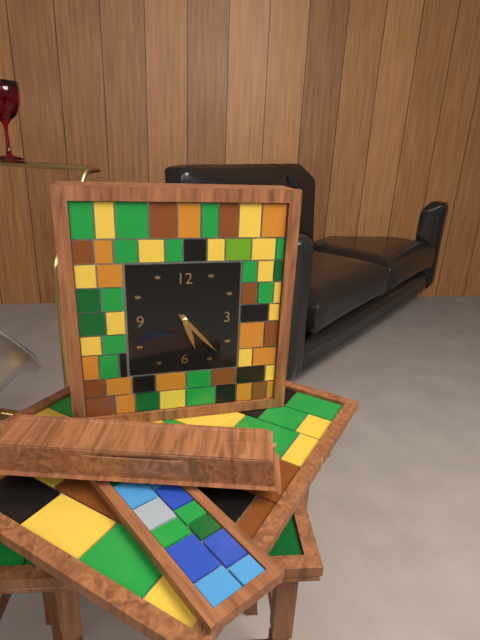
5.23
